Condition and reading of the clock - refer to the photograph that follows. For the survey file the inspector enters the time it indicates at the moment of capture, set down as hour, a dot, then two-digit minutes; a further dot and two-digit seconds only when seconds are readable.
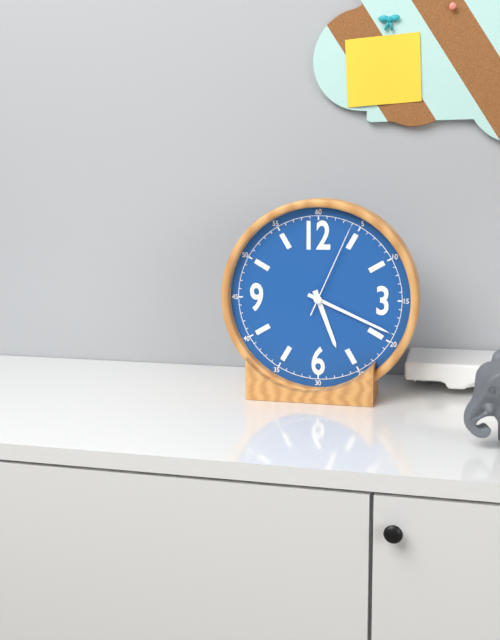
5.19.04
